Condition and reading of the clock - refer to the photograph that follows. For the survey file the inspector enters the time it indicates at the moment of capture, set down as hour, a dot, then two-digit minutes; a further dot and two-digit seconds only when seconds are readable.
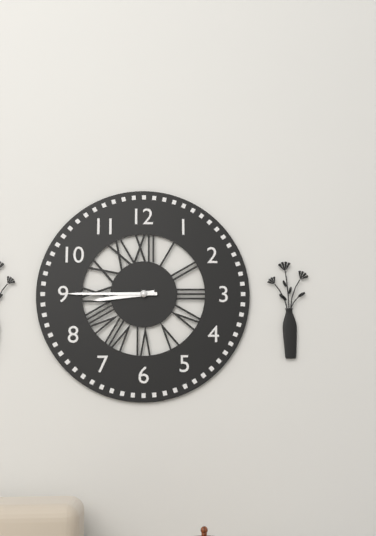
8.45
